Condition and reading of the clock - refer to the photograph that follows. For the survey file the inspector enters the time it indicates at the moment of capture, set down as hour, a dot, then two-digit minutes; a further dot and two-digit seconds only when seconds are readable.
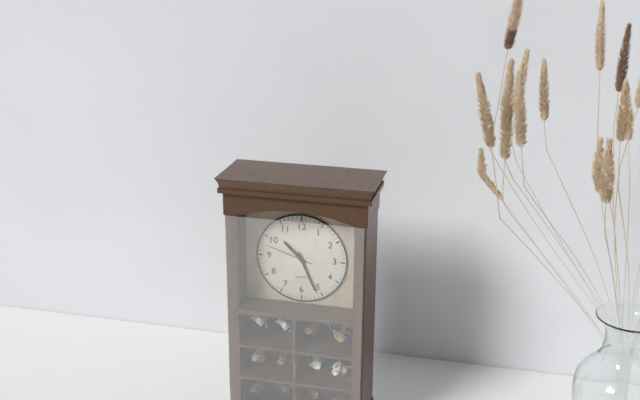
10.26.48
